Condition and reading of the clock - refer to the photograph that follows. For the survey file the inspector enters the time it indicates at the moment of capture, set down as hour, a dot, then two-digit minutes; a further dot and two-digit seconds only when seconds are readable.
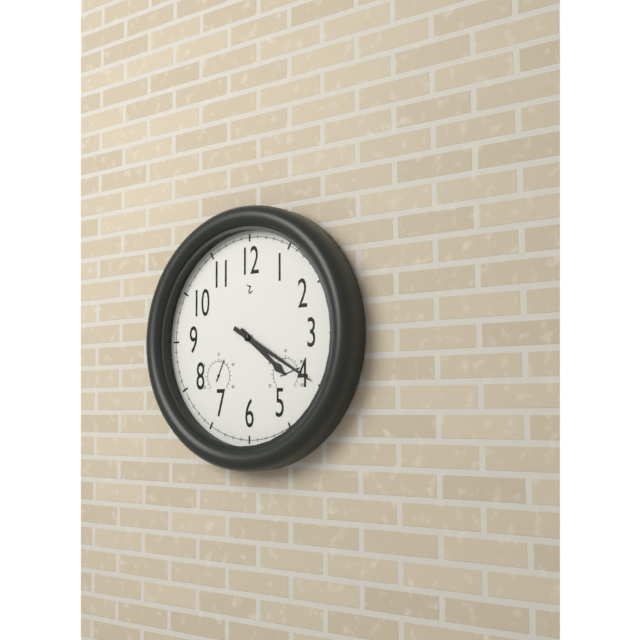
4.20
